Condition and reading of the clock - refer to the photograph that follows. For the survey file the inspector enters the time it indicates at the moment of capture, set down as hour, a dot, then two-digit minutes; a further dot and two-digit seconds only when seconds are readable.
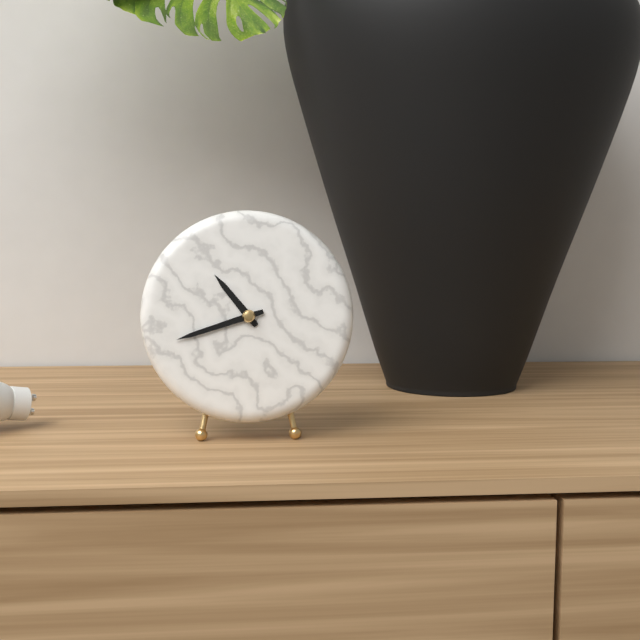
10.42
